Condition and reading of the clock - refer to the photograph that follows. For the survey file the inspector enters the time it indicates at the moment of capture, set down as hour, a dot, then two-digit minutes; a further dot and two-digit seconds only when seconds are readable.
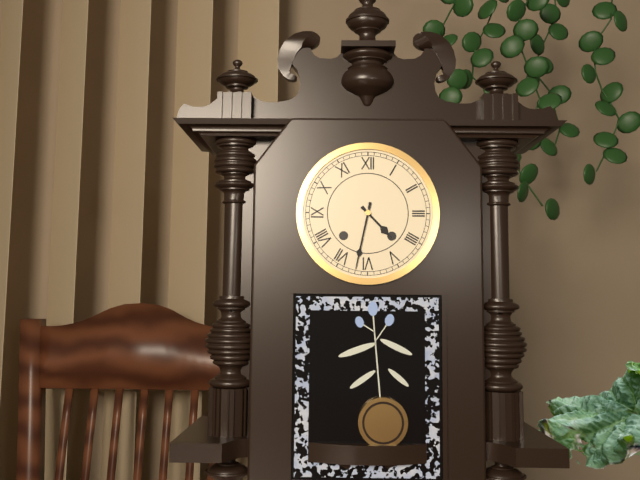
4.32
